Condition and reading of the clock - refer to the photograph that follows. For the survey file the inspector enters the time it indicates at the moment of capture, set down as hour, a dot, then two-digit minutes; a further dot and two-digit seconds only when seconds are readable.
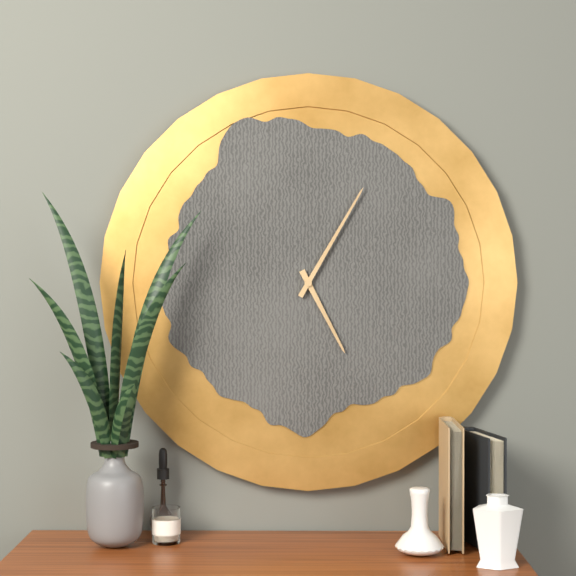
5.05
